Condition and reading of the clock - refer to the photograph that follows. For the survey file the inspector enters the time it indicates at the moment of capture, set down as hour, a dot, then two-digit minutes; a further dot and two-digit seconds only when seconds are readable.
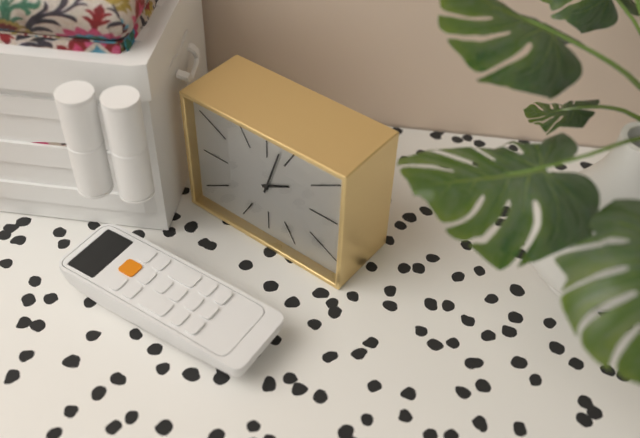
2.03
